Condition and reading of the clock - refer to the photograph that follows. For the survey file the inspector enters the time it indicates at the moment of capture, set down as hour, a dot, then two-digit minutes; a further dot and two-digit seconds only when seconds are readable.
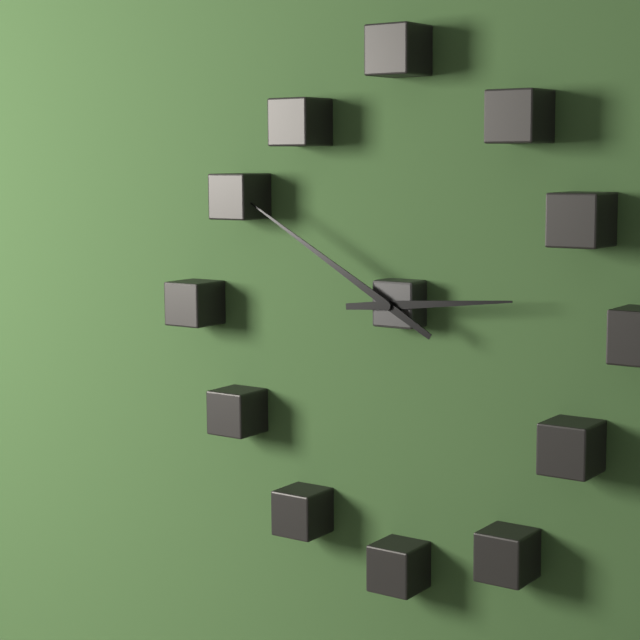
2.50
